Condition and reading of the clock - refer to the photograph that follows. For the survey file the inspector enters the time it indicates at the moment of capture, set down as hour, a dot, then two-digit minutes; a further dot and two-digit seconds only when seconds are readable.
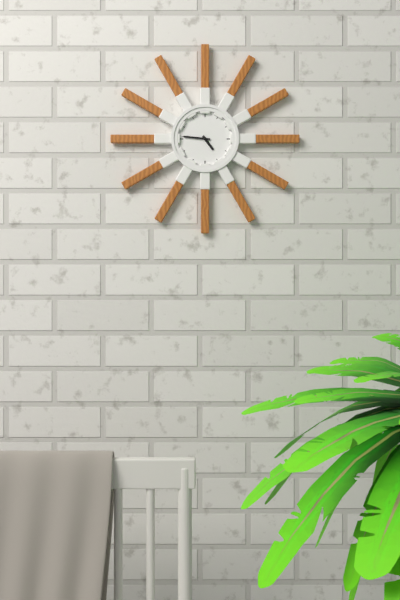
4.46
